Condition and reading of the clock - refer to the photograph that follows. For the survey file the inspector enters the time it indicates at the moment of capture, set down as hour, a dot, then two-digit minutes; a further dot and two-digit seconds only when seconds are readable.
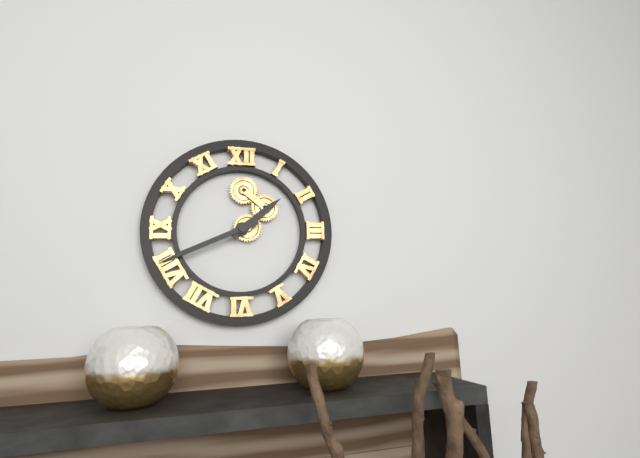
1.41
